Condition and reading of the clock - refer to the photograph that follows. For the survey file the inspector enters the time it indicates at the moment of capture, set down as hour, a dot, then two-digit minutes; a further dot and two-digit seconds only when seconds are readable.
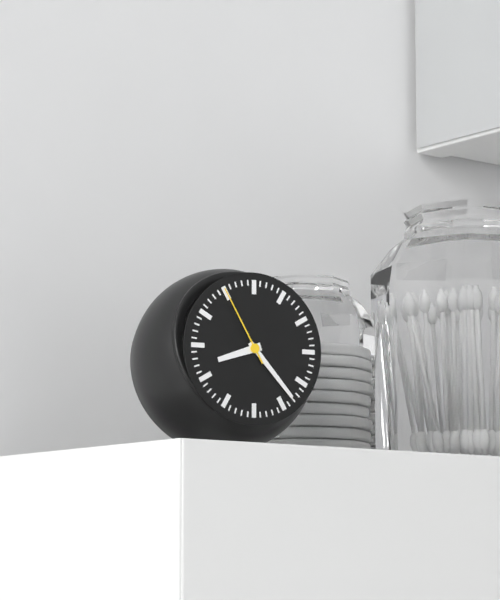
8.23.55
